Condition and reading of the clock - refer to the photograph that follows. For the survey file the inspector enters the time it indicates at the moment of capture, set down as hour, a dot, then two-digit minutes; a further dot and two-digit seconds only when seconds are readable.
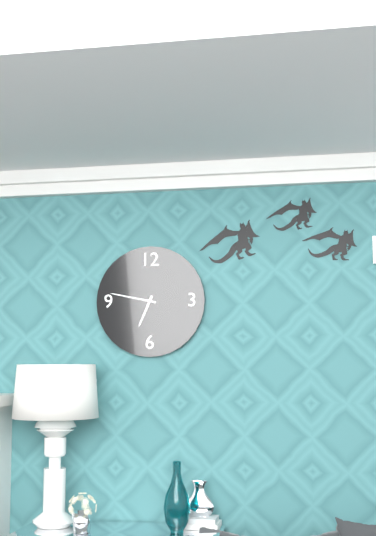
6.47
